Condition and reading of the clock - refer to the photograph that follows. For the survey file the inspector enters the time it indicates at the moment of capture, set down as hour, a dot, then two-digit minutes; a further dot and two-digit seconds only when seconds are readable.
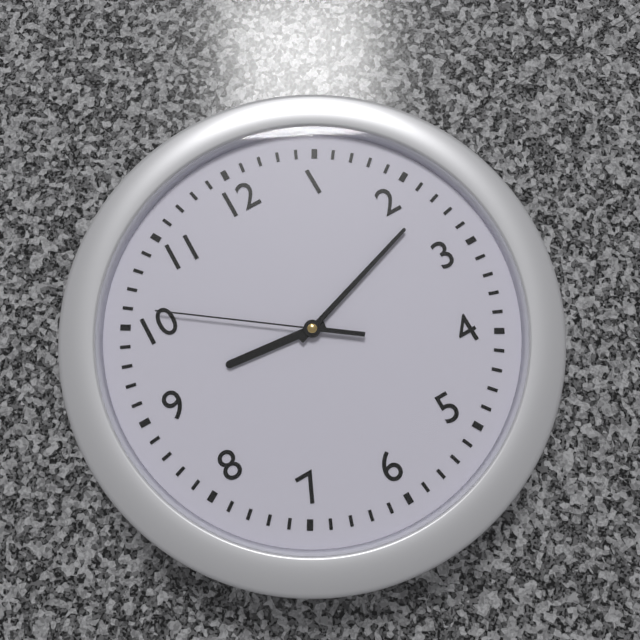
9.12.51
